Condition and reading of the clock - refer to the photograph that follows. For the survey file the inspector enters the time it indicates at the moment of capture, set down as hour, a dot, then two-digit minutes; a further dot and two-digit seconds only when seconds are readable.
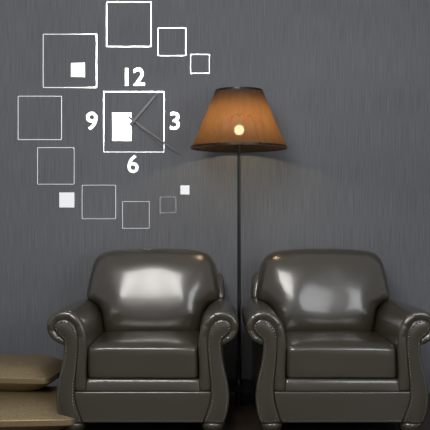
1.21.22
